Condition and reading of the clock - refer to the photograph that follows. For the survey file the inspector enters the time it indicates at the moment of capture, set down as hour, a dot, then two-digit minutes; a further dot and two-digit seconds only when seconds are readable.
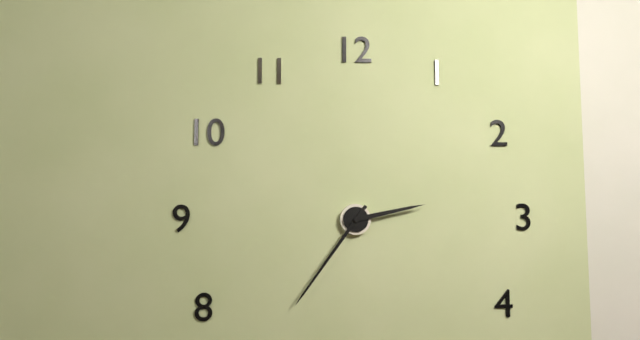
2.36
